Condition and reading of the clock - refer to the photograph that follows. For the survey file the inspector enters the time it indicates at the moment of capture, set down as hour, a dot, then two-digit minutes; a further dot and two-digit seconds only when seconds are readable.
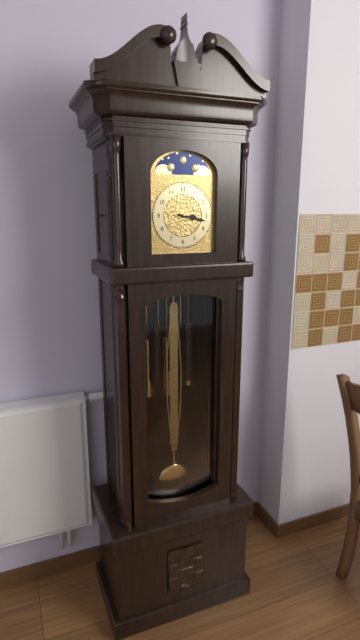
3.17
